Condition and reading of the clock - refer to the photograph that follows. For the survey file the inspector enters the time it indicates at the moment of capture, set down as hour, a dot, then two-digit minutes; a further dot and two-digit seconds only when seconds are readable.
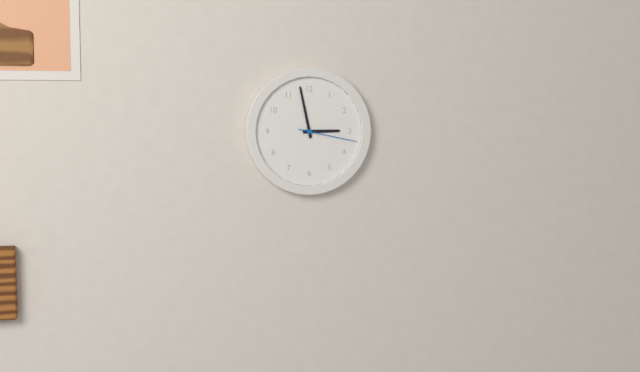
2.58.17
